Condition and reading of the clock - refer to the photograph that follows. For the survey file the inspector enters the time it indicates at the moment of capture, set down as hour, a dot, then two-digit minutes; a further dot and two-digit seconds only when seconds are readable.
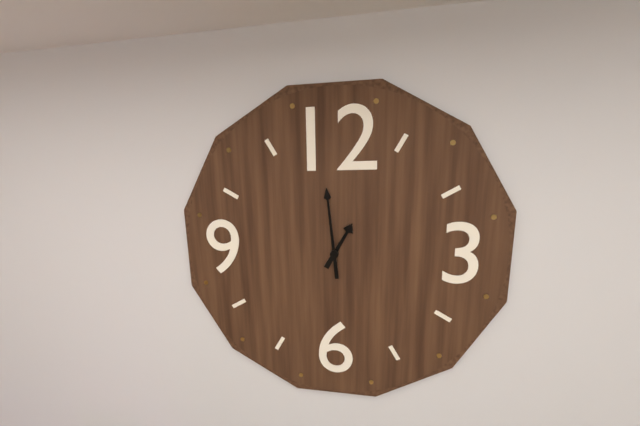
12.59
